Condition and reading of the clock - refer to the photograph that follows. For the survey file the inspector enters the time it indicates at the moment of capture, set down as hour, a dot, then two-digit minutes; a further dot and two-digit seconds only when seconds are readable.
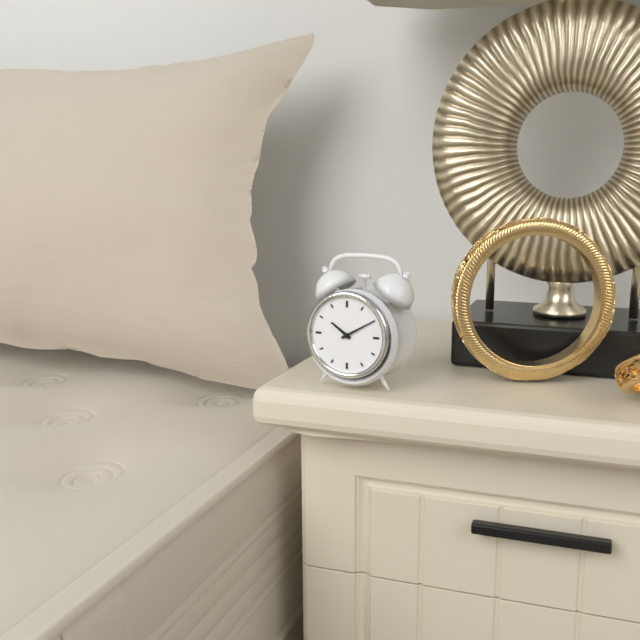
10.10
